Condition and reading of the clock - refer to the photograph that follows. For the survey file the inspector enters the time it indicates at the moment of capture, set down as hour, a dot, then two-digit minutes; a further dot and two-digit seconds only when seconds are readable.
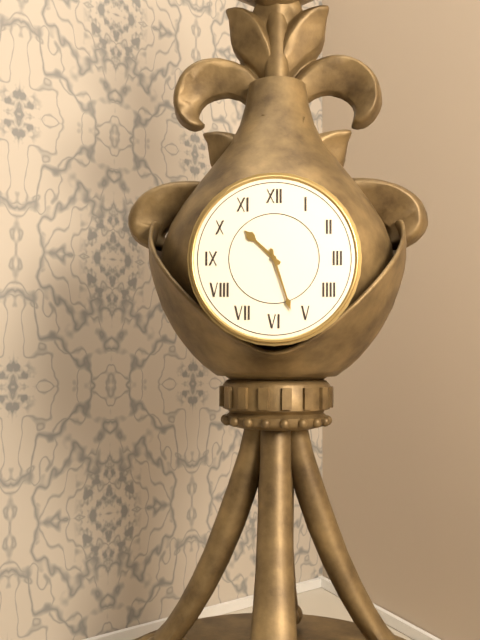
10.27
